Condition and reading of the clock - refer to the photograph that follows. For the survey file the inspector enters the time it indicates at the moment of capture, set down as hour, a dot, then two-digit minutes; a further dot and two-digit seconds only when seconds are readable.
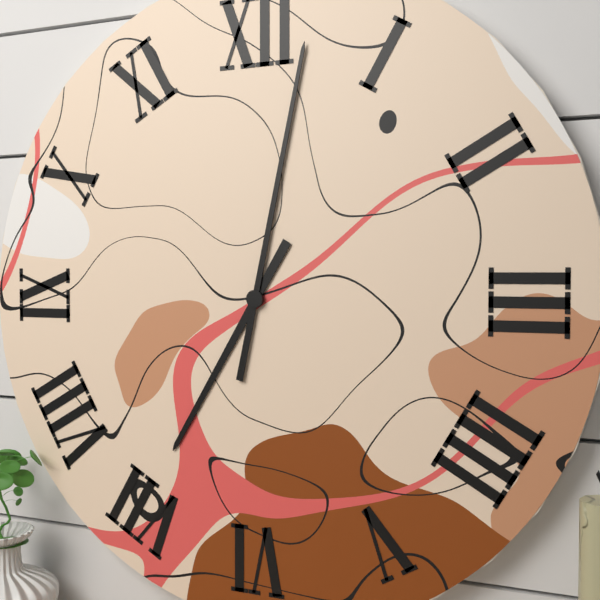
7.02
